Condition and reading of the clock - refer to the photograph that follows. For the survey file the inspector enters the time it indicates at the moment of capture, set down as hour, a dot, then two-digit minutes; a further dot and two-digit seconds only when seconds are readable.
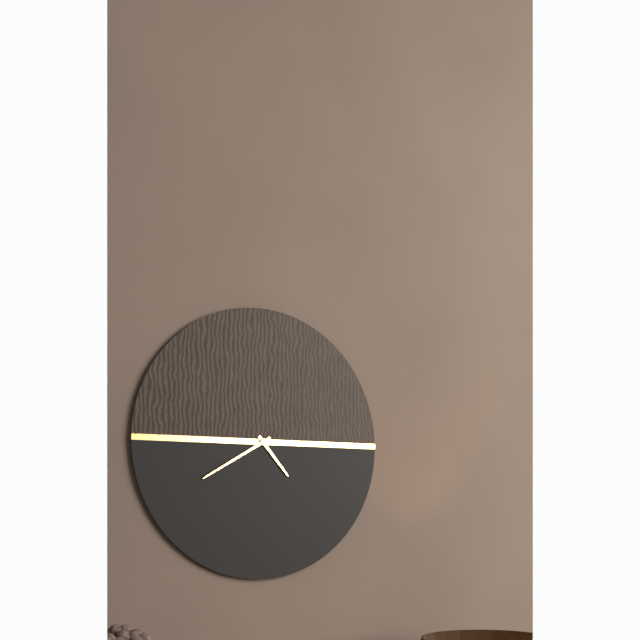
4.40
